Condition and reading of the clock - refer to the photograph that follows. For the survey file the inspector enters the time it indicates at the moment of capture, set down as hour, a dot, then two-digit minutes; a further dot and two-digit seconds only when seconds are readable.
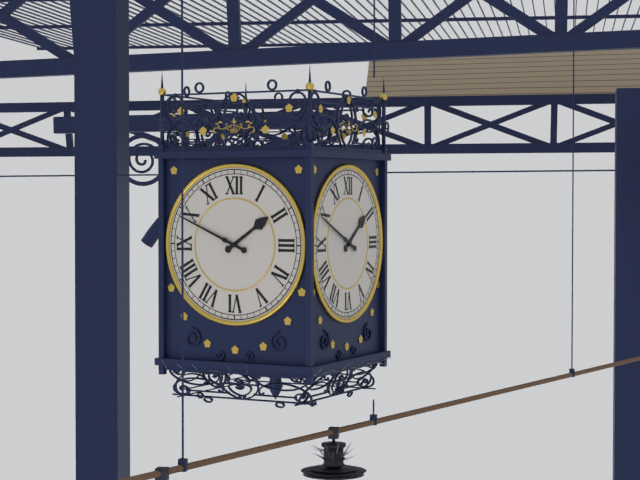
1.49
